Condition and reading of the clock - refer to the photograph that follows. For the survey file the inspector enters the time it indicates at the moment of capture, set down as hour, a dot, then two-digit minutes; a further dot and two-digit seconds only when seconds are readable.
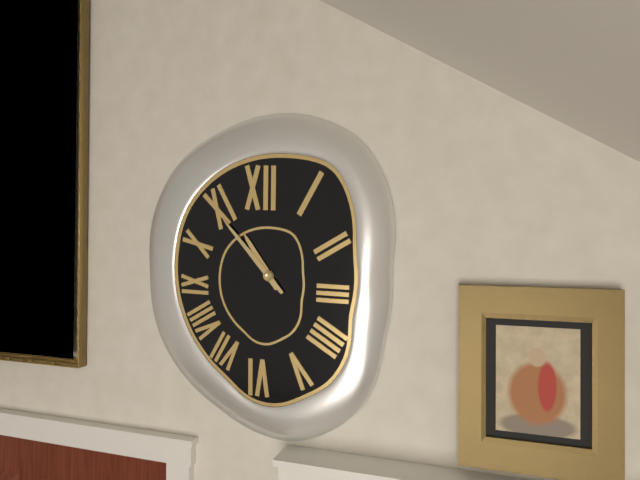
10.53
